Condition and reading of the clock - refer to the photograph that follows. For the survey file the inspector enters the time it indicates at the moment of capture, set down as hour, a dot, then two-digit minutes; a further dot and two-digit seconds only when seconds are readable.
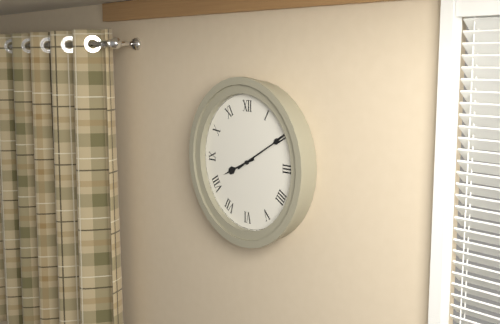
8.10
